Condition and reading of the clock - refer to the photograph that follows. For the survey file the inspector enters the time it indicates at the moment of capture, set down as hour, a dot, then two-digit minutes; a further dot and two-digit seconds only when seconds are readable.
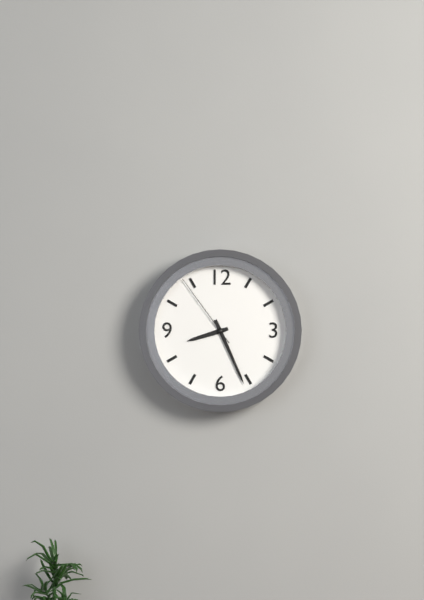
8.26.54
